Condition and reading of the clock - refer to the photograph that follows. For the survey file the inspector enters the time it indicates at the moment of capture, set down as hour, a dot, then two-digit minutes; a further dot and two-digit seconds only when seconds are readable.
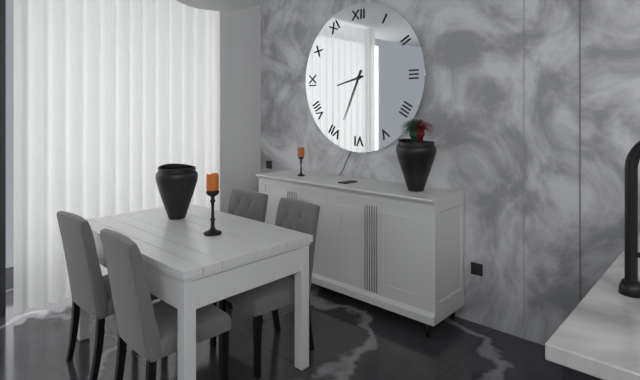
8.34
